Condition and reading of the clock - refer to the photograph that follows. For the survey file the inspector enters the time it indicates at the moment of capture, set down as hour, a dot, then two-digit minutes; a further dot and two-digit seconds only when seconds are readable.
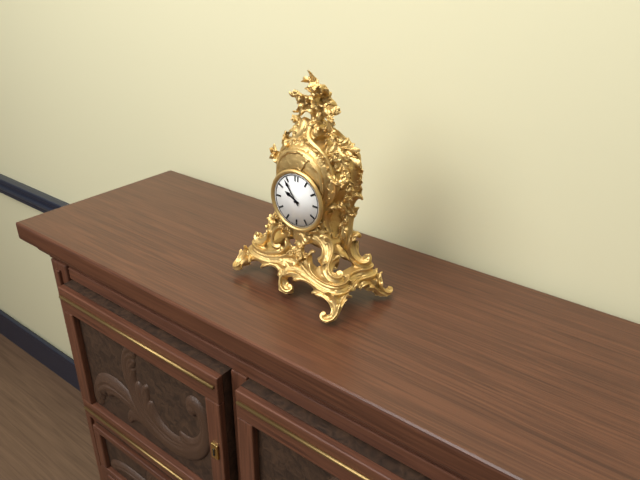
9.54
